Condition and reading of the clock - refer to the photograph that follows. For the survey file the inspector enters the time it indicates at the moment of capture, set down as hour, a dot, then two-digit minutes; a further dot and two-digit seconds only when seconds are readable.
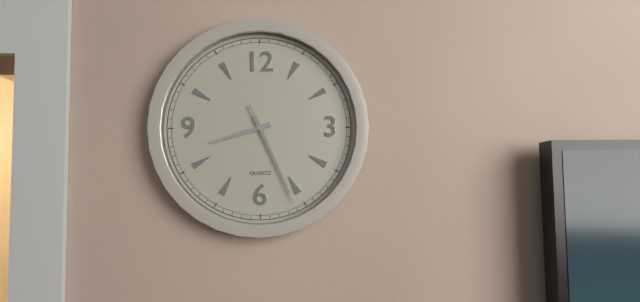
8.26.26
